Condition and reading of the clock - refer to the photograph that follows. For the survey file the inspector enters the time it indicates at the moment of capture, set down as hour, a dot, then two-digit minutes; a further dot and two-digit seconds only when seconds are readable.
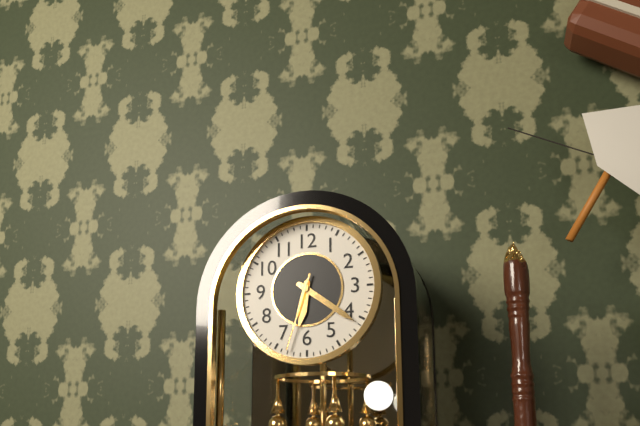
6.21.33
